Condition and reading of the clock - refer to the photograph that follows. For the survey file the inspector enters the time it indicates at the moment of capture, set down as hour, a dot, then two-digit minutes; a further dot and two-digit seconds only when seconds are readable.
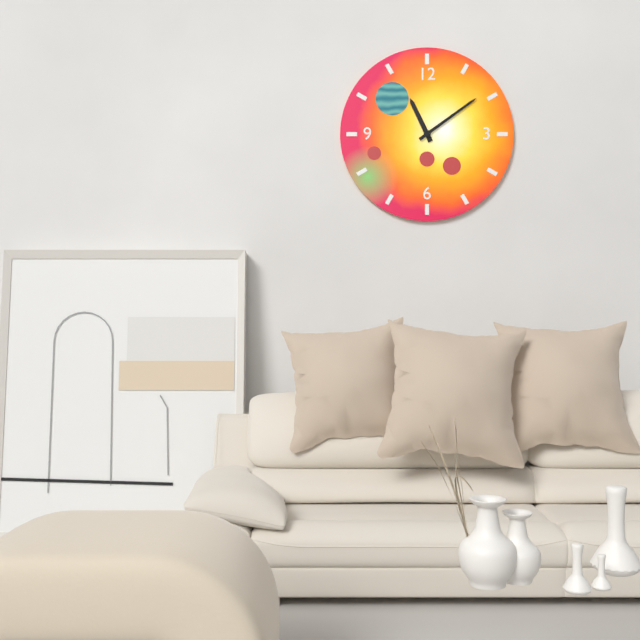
11.09
